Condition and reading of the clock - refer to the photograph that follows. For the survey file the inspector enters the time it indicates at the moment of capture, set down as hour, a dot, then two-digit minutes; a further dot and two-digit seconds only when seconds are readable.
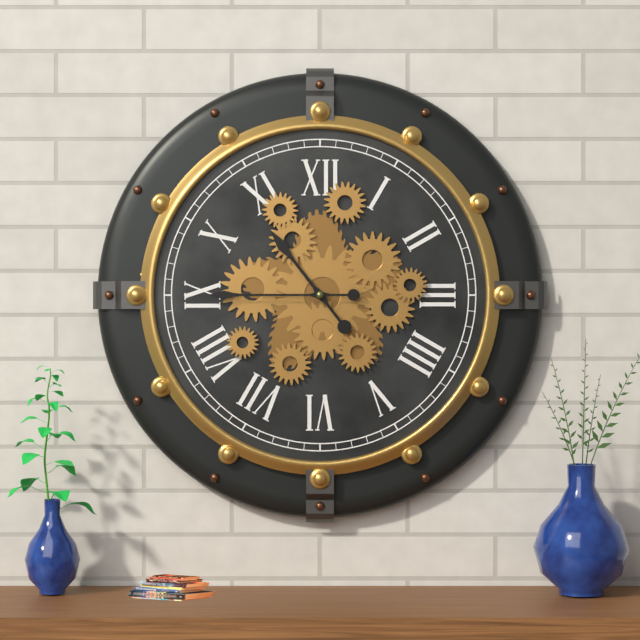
10.45
